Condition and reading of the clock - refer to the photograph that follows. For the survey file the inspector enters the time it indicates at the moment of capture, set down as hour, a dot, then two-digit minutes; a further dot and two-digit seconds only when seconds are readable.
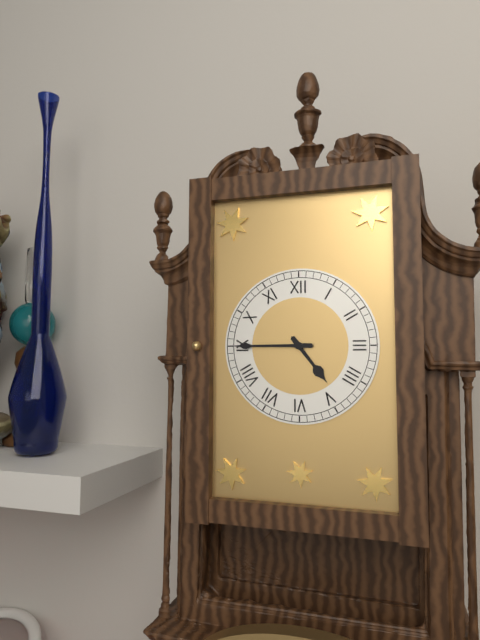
4.45
